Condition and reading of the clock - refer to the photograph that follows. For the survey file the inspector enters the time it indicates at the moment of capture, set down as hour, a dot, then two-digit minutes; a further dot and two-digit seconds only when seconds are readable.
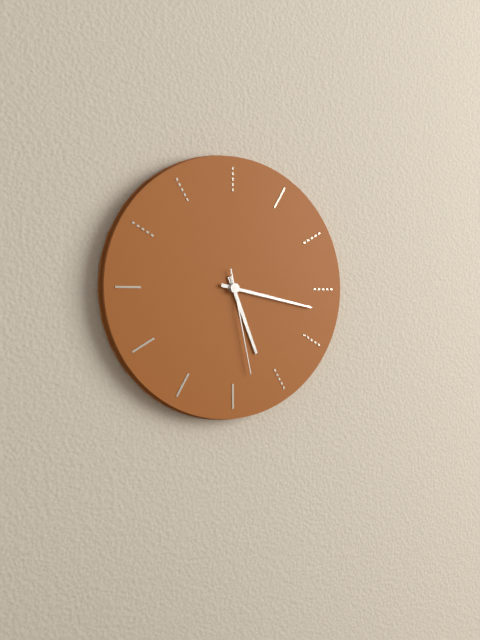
5.17.28
